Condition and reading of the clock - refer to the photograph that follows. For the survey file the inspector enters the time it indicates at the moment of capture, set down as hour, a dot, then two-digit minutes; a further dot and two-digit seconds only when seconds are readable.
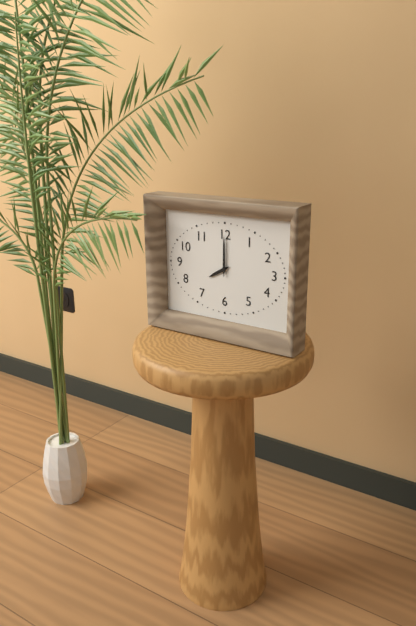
8.00
